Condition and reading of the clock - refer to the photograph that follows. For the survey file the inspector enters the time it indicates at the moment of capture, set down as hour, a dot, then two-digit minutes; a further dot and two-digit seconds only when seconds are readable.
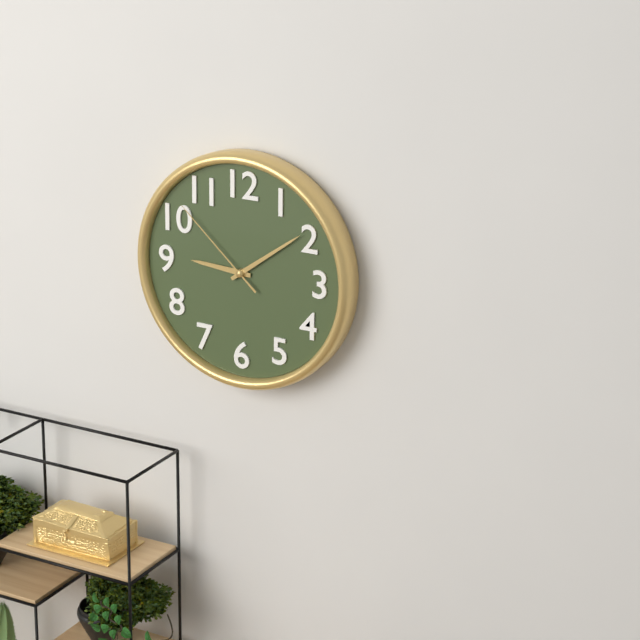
9.09.52
